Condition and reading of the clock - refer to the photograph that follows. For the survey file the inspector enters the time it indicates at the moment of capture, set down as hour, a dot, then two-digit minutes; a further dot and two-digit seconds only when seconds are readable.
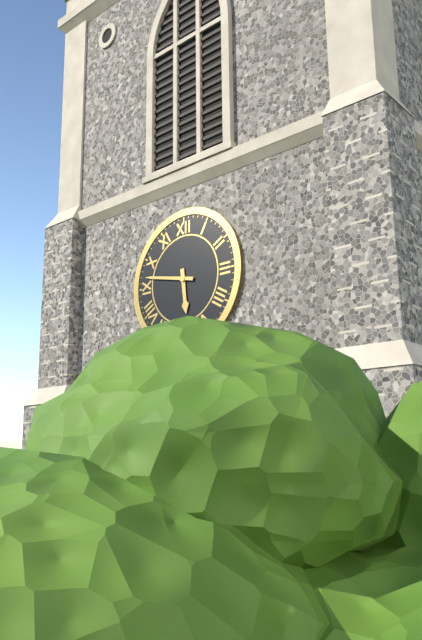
5.47
